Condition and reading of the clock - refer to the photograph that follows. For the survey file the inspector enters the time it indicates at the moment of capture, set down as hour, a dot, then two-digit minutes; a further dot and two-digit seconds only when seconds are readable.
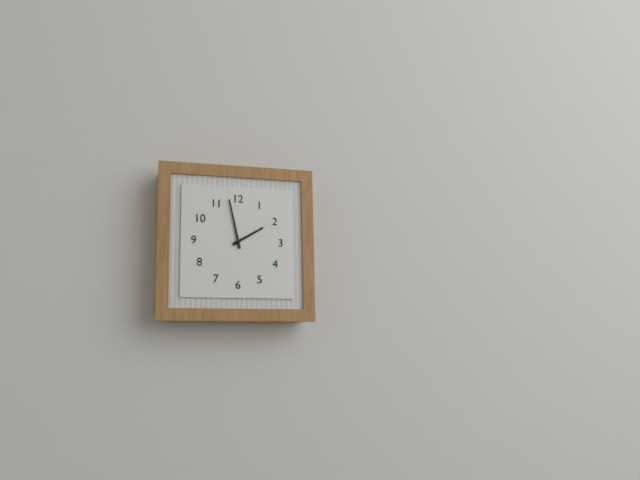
1.58
